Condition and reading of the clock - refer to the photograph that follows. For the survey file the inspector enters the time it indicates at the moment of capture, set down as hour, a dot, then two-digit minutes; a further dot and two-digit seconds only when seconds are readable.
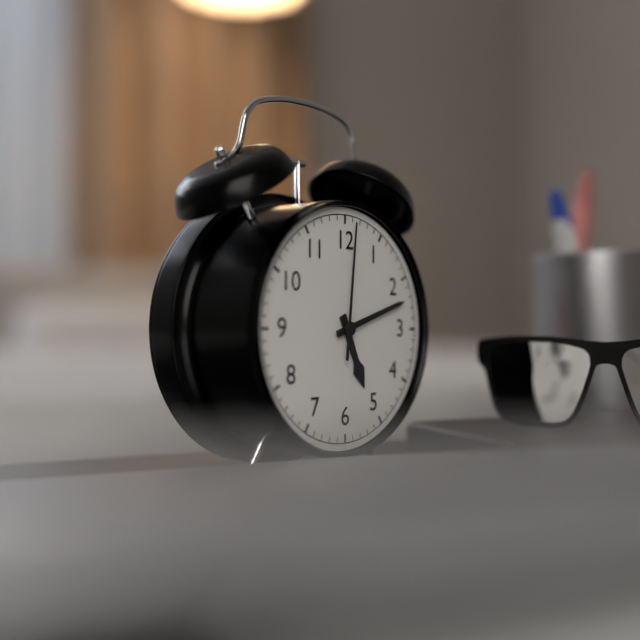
5.12.01
